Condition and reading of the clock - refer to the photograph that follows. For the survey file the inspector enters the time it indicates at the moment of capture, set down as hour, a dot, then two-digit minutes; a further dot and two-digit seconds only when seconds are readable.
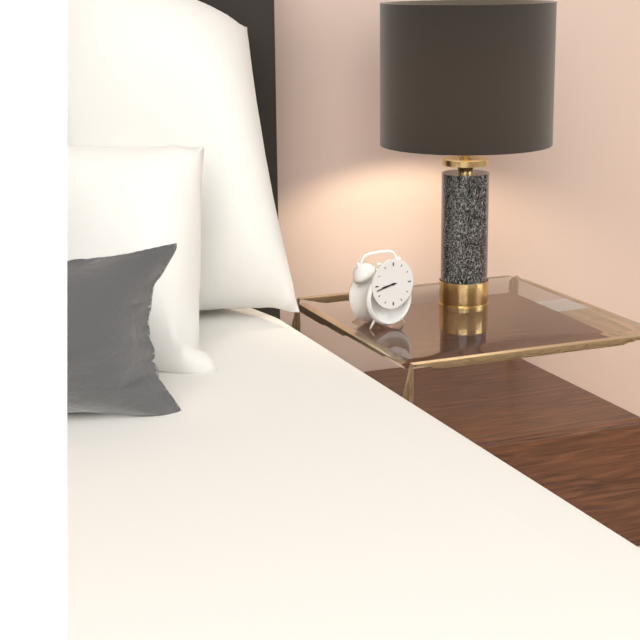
8.43
